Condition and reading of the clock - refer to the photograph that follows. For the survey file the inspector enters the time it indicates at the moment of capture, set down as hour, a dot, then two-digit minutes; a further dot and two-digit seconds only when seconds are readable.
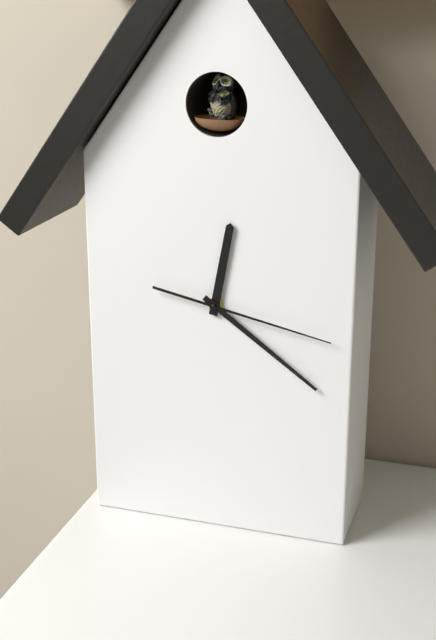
12.21.17
